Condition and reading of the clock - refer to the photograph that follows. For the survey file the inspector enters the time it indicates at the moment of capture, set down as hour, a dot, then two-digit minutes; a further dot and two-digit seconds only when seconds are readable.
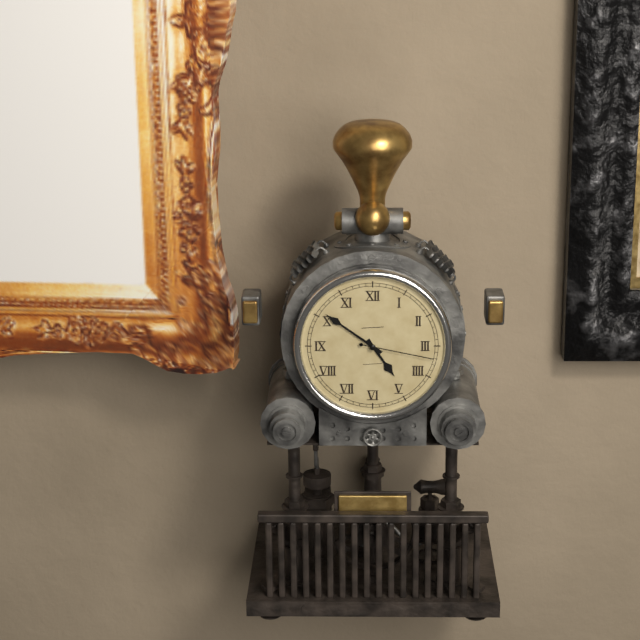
4.51.17
